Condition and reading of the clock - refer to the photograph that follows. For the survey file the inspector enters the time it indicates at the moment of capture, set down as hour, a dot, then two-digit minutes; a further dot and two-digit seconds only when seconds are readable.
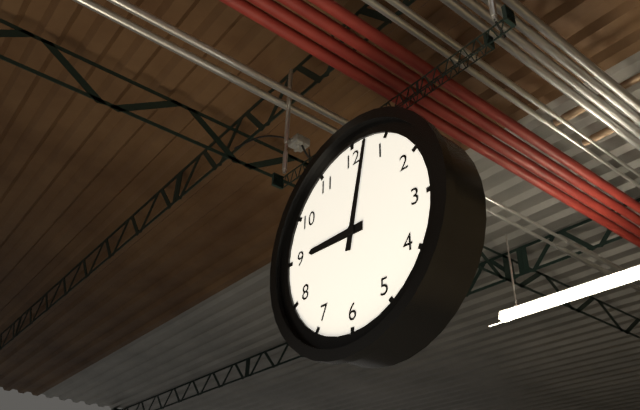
9.02
